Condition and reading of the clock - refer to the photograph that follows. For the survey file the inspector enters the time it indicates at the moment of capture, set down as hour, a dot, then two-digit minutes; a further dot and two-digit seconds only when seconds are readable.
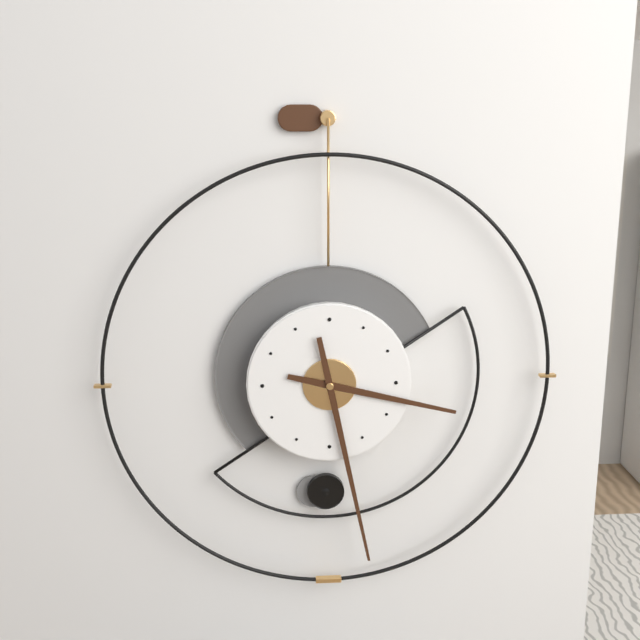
3.28
